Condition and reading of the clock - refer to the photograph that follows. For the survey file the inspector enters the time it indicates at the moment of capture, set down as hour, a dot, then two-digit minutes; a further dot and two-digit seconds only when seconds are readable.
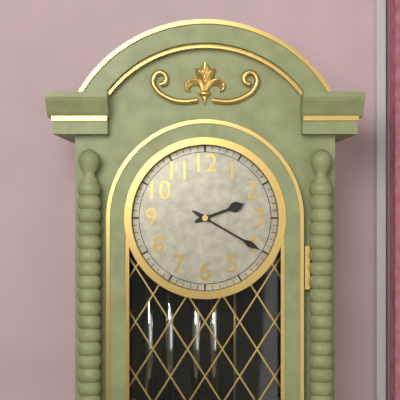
2.20
